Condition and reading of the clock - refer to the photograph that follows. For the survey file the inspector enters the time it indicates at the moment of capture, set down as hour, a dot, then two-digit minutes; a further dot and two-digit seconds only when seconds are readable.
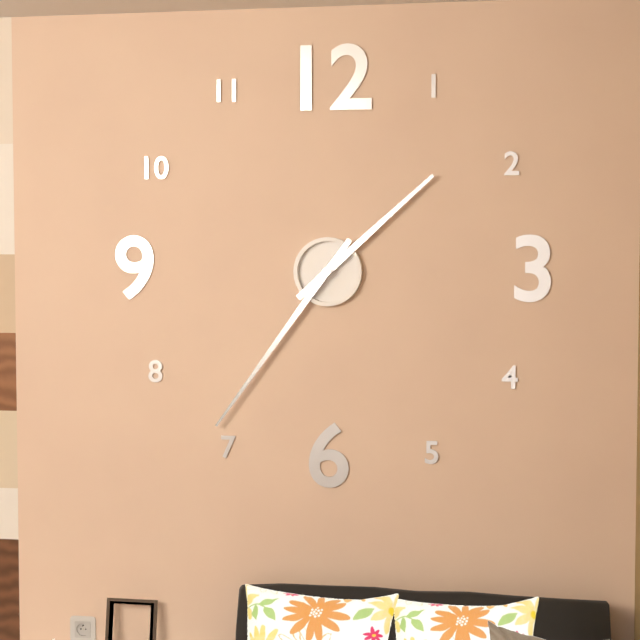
1.36
